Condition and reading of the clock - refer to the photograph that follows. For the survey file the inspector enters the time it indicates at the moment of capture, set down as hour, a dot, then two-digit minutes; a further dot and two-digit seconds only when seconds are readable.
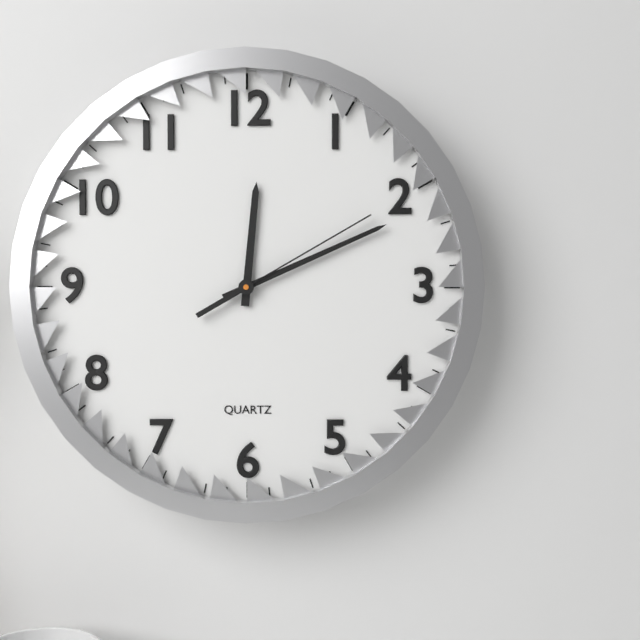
12.11.10
